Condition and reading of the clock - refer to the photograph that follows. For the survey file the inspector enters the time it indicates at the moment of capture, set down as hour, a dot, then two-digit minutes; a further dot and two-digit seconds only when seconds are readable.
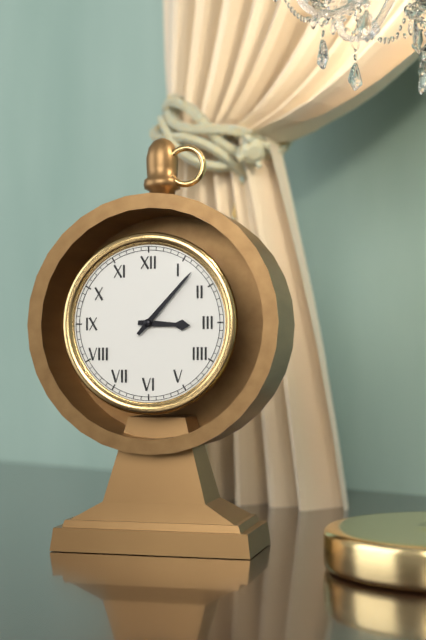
3.07
